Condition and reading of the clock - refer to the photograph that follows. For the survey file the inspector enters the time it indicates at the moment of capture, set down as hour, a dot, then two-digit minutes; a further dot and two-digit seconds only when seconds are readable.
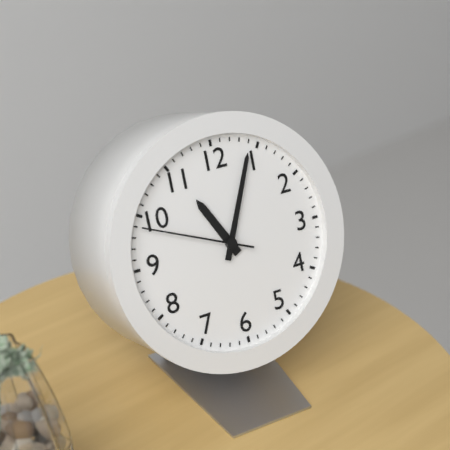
11.04.49
